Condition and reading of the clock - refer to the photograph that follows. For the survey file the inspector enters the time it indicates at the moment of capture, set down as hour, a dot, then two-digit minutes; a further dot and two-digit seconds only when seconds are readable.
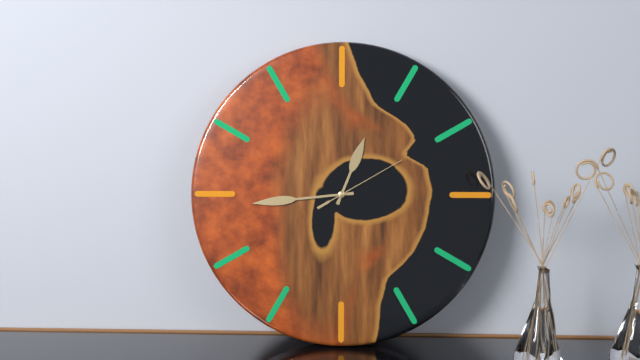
12.44.10
